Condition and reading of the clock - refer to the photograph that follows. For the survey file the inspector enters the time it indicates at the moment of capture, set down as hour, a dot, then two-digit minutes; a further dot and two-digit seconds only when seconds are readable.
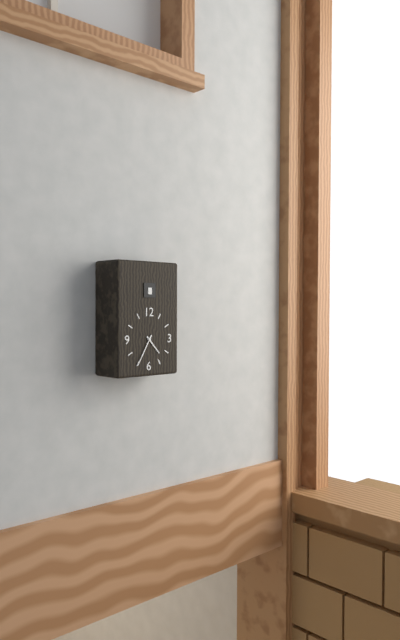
4.35
